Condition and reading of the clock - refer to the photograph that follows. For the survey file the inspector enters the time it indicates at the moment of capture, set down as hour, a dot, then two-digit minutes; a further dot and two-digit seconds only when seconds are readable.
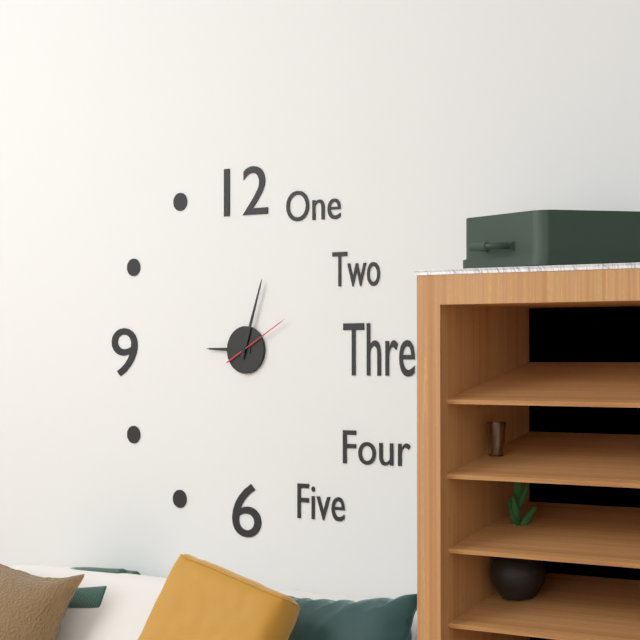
9.03.10
